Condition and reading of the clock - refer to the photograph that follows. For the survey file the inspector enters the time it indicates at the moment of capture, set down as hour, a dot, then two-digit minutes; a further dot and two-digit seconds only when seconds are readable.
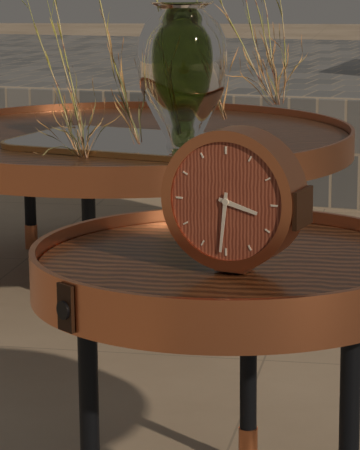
3.31
